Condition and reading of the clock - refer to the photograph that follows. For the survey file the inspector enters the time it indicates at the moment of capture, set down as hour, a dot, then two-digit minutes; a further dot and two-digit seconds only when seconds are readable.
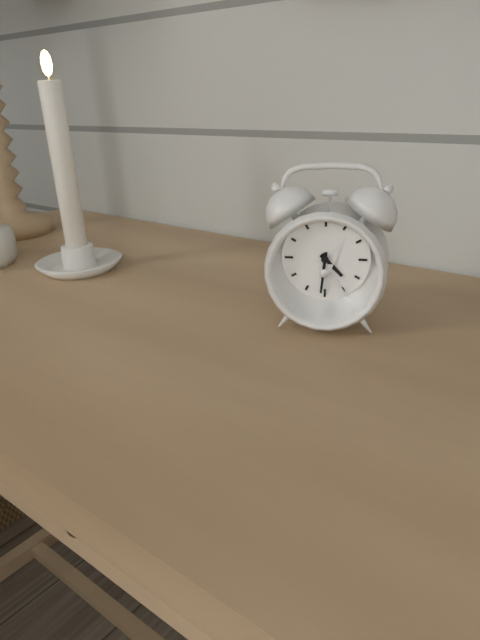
4.31
